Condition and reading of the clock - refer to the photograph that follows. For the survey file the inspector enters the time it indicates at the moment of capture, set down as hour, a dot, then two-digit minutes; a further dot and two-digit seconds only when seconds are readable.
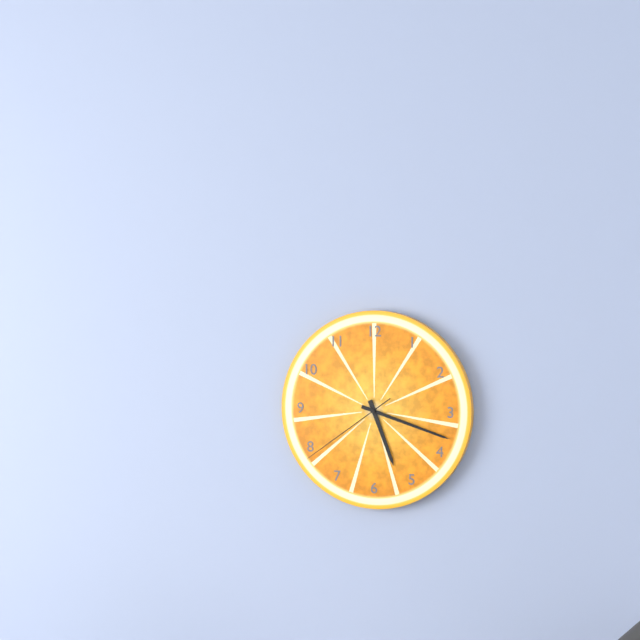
5.18.39
